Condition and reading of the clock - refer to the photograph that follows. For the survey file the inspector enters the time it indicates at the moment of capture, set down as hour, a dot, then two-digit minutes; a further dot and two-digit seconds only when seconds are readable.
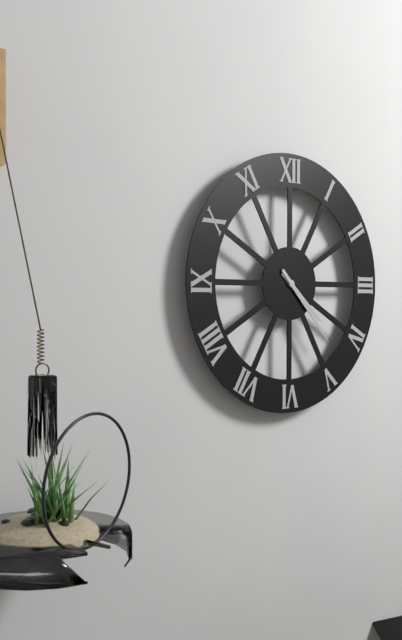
4.23
